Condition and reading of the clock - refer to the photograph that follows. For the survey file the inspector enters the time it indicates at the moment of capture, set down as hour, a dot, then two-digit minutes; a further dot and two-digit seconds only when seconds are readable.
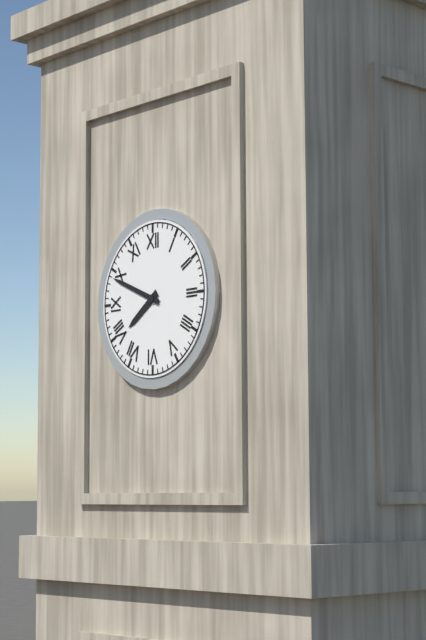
7.49
